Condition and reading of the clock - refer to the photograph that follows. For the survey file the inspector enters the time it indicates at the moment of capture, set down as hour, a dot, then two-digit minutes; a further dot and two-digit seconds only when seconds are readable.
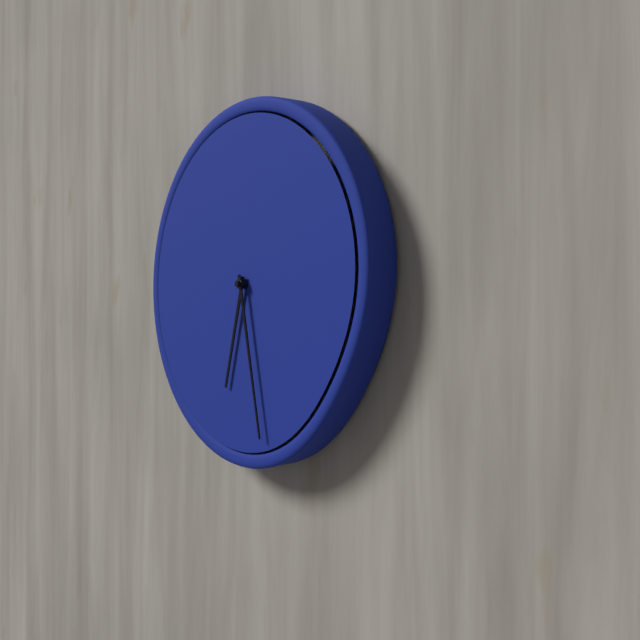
6.28
